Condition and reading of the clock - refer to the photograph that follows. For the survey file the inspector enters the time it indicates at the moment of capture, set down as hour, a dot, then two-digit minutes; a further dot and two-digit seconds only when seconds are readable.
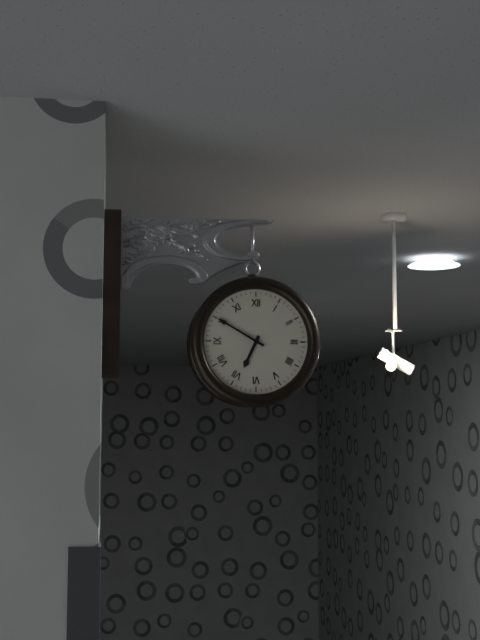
6.50
